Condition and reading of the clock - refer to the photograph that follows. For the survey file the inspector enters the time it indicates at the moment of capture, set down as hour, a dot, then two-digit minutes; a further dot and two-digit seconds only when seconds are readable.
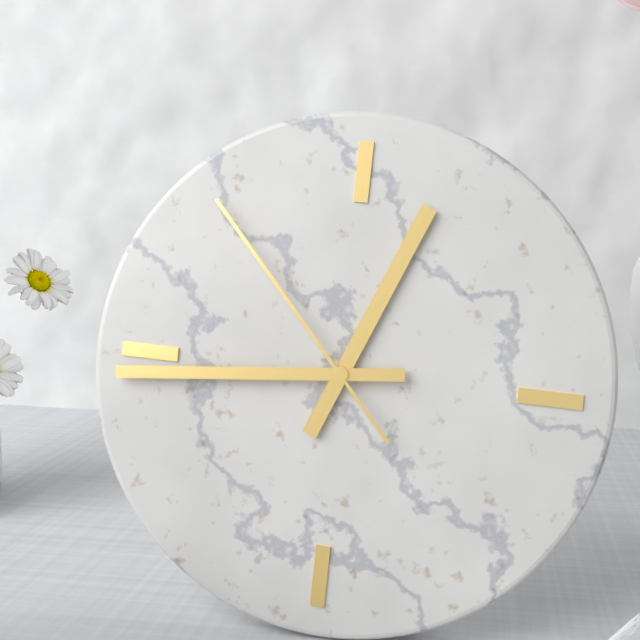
12.44.53
